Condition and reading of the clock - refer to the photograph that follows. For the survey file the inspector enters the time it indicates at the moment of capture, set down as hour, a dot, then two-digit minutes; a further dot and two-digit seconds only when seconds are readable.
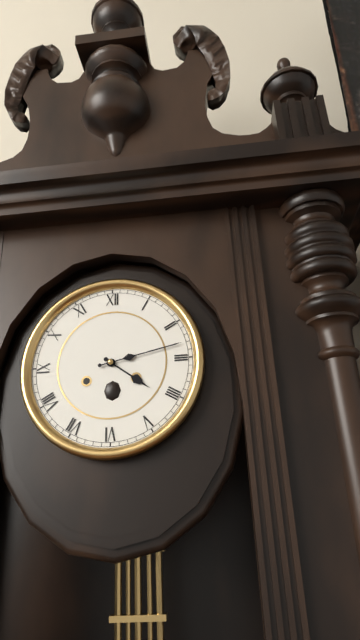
4.13
